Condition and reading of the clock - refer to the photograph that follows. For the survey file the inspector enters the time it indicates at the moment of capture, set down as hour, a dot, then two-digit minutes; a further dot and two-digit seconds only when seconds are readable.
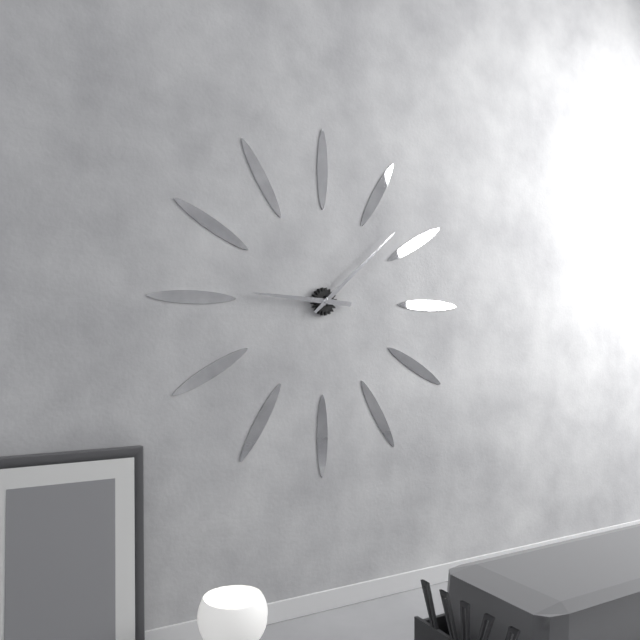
9.08
